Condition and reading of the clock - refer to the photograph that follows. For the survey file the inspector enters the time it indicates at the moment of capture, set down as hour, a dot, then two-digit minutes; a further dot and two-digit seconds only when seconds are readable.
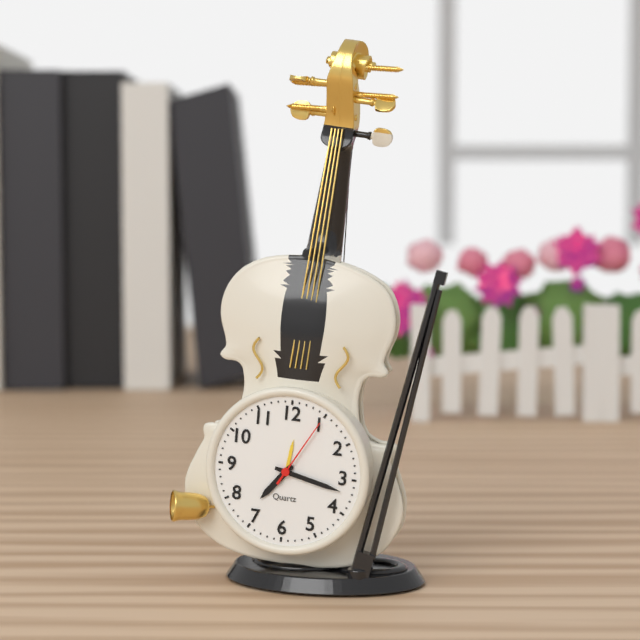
7.17.05
